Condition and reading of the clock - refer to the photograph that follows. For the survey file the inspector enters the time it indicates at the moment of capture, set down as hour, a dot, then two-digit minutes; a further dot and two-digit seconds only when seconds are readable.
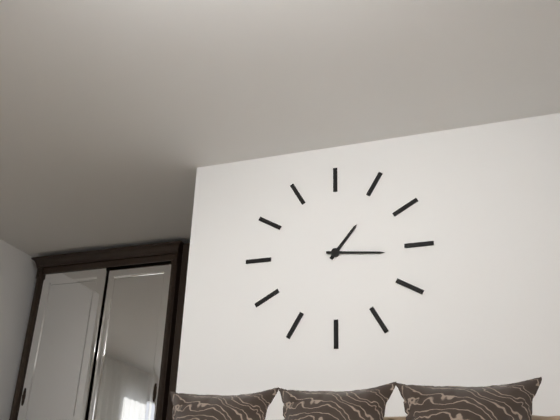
1.16
